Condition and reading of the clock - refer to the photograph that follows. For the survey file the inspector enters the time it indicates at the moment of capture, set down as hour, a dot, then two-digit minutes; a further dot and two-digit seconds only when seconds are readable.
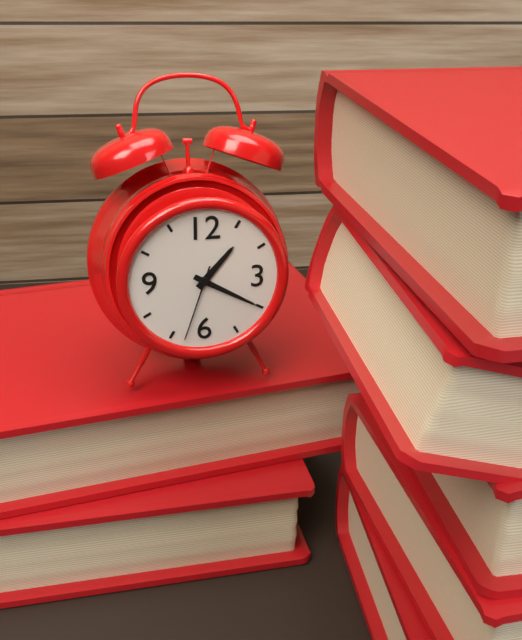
1.20.33
